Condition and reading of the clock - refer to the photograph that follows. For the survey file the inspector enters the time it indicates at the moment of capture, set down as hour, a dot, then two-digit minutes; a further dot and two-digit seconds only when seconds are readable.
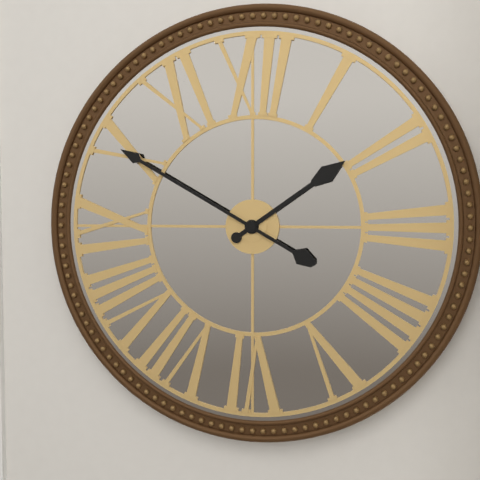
1.50
